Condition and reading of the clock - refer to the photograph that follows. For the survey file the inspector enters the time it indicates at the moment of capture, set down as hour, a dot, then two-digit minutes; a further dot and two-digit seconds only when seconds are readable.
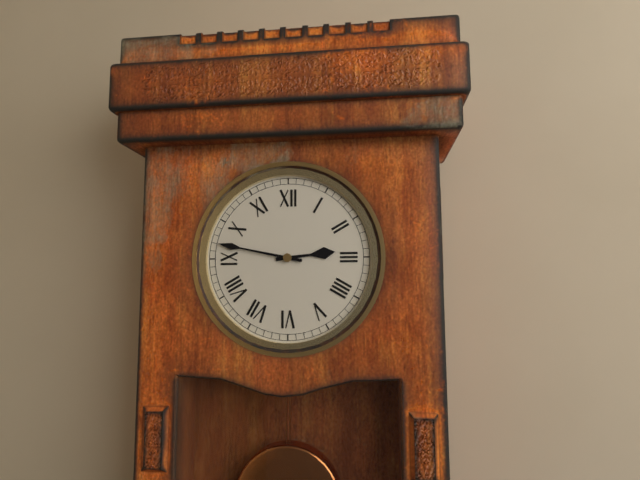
2.47
